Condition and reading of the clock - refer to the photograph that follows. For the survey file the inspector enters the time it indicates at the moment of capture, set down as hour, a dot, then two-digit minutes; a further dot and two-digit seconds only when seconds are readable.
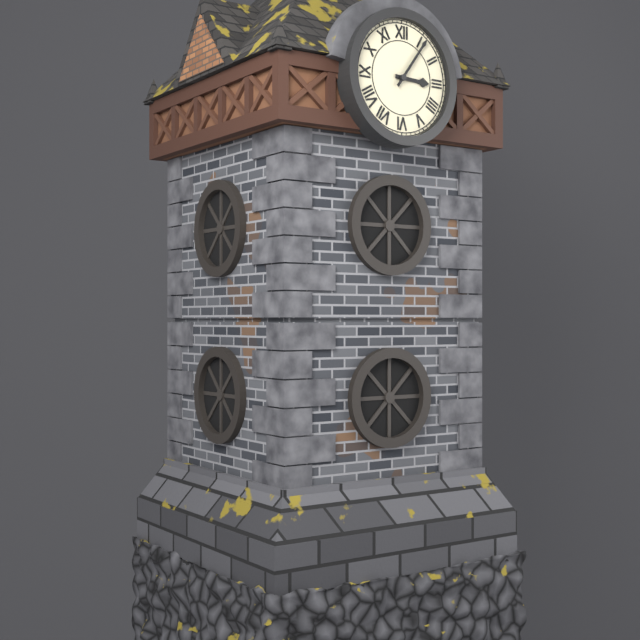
3.06
